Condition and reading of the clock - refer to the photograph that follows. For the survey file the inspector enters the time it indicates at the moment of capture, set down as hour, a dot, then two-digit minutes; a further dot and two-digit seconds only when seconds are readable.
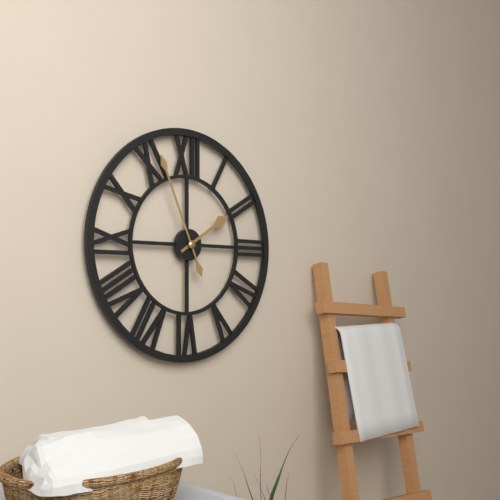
1.56
